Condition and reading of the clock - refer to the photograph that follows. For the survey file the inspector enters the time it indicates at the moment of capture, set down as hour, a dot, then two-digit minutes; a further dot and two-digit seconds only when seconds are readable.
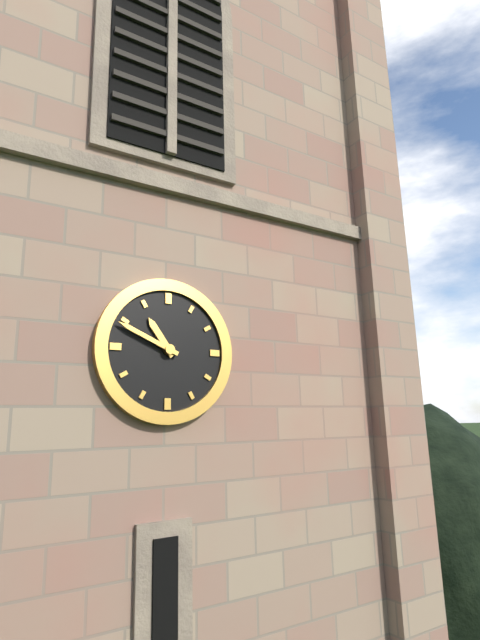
10.49
